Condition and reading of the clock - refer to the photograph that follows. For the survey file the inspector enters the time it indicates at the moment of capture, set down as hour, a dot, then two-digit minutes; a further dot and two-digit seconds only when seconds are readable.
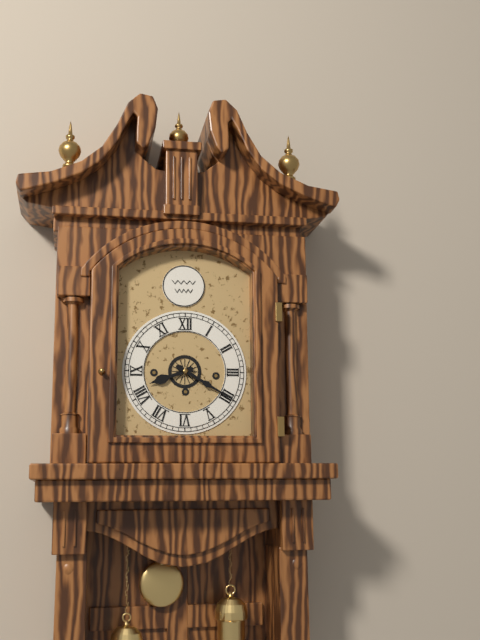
8.20
